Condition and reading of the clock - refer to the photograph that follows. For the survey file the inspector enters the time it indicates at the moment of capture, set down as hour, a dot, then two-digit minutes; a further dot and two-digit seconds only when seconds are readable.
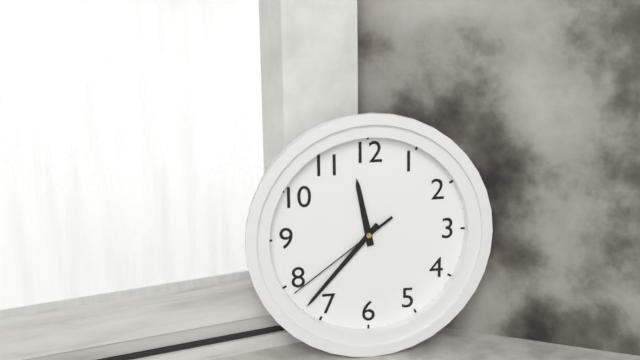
11.37.39
